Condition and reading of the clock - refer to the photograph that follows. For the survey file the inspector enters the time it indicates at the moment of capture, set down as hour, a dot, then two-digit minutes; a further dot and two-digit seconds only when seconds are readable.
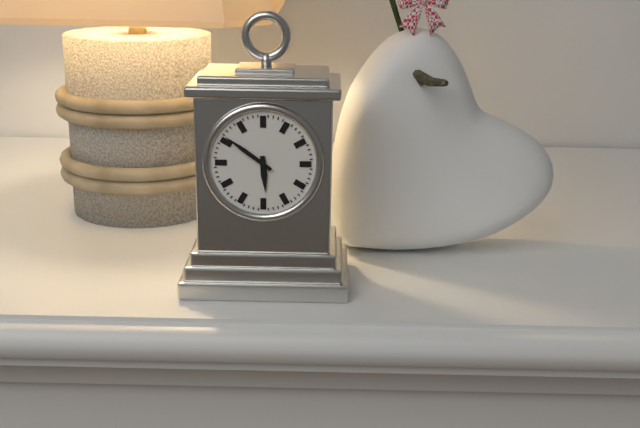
5.51
